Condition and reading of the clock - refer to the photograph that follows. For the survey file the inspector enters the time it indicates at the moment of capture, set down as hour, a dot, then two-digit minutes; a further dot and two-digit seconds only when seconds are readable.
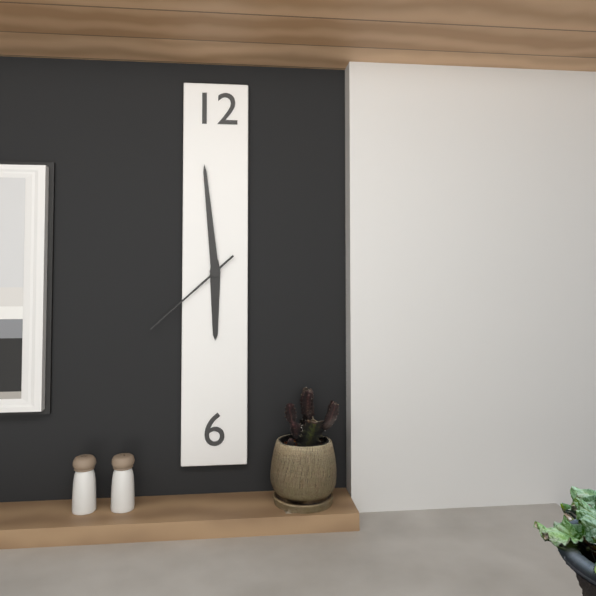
5.59.38
